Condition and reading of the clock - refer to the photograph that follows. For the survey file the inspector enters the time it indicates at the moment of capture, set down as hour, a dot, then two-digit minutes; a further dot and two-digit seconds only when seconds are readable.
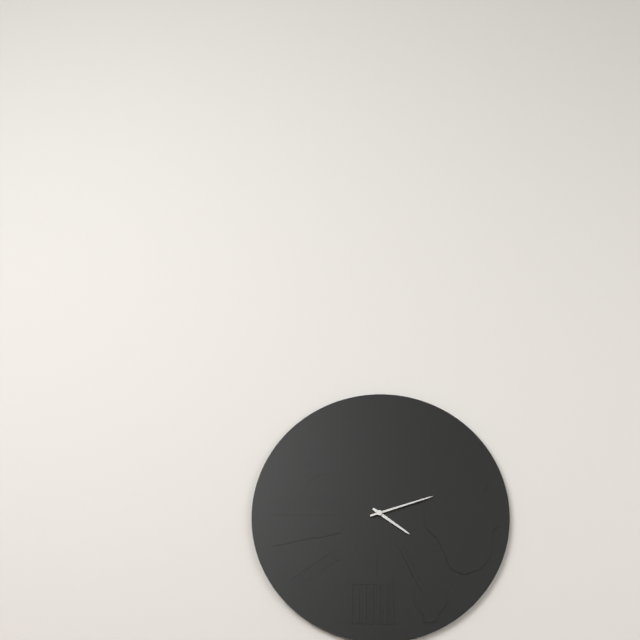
4.12
